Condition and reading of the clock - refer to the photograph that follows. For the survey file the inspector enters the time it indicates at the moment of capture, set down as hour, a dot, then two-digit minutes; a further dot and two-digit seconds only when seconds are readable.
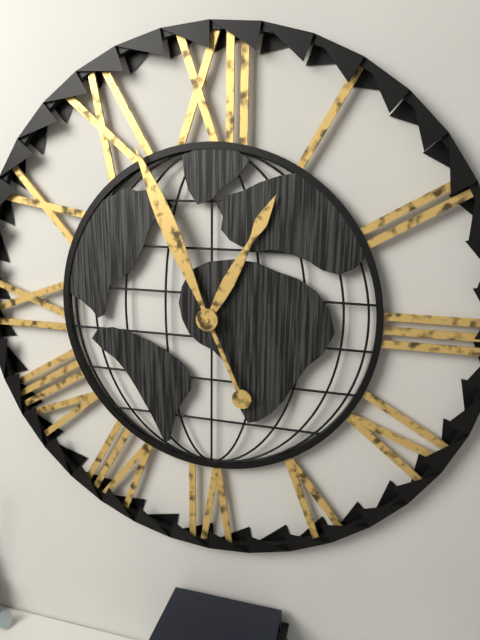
12.56
